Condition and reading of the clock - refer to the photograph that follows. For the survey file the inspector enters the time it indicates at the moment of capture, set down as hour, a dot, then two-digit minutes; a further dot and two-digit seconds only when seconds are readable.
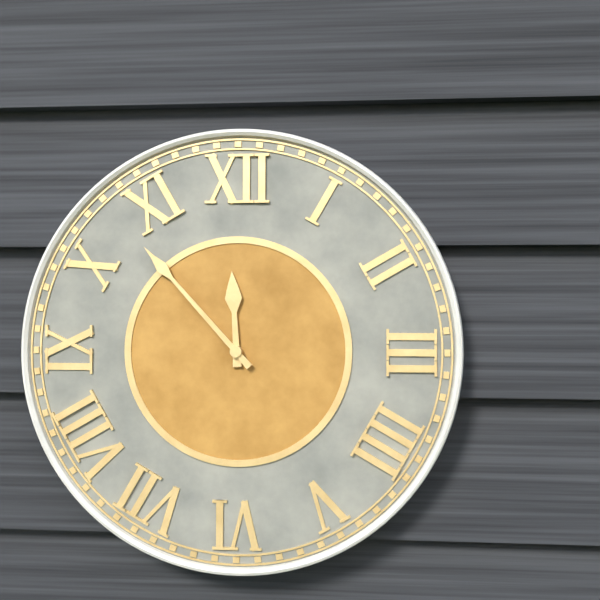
11.53
